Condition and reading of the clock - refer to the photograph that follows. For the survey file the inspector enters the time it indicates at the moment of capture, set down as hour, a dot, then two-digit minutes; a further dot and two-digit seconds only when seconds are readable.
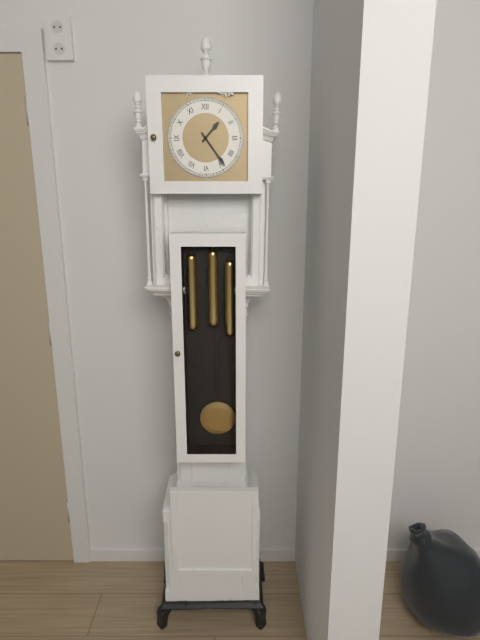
1.24
